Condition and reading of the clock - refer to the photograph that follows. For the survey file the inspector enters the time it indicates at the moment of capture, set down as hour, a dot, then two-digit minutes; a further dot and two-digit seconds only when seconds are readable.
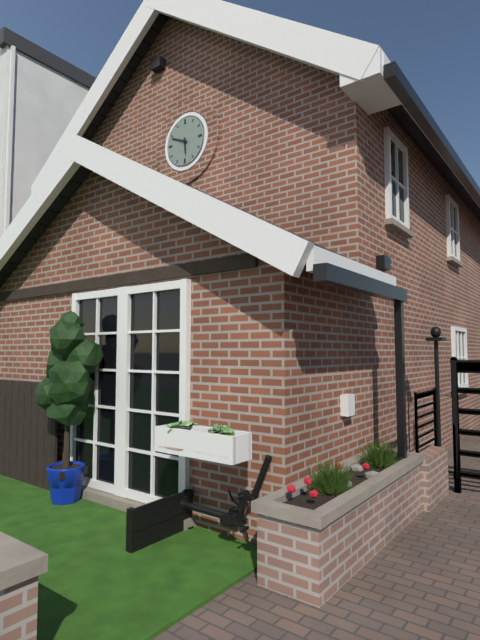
5.49
